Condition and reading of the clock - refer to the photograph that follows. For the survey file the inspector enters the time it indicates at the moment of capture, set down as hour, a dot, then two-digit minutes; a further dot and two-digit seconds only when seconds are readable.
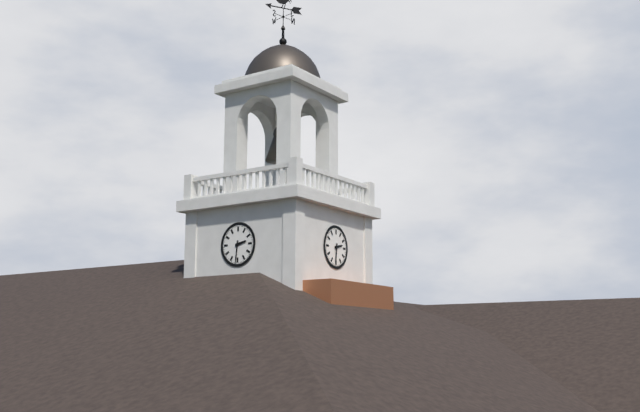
2.31
